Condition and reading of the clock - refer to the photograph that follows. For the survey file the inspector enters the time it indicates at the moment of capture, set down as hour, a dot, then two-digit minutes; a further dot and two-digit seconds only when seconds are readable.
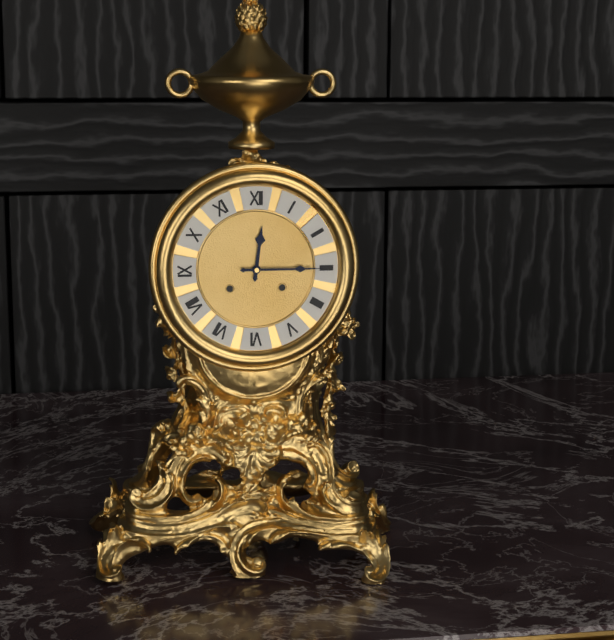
12.15
